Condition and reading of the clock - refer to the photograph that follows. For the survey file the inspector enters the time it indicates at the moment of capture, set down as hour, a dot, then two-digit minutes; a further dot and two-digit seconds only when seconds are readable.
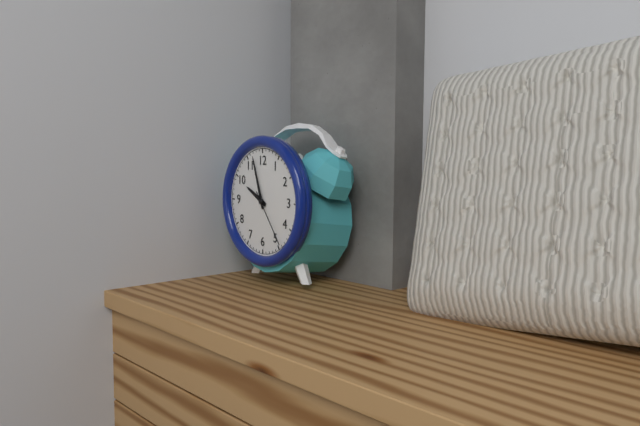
9.57.24
